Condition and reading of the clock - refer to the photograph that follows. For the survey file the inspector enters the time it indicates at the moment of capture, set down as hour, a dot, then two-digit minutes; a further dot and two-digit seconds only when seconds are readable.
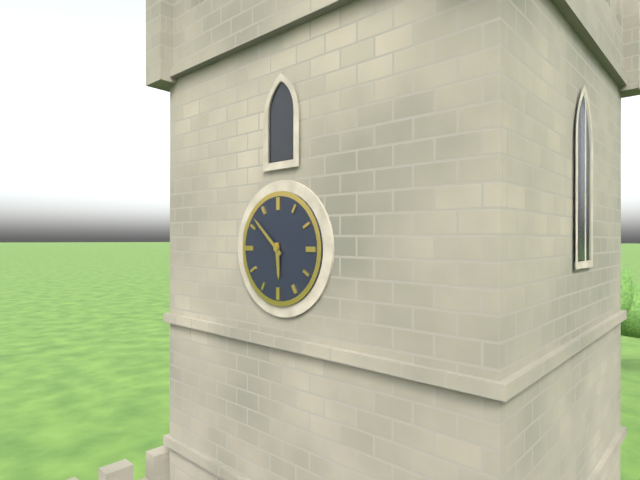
5.52
